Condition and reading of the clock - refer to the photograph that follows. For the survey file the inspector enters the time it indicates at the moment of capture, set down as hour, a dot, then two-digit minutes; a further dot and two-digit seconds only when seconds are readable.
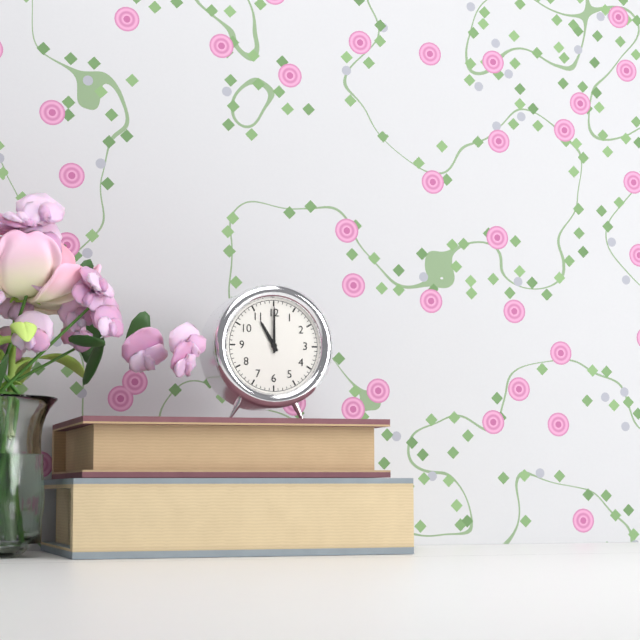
11.00
